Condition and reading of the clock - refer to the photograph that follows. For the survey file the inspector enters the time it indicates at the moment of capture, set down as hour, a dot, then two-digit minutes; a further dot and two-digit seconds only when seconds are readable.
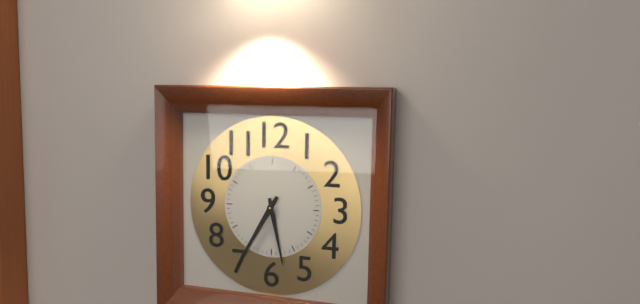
5.35
